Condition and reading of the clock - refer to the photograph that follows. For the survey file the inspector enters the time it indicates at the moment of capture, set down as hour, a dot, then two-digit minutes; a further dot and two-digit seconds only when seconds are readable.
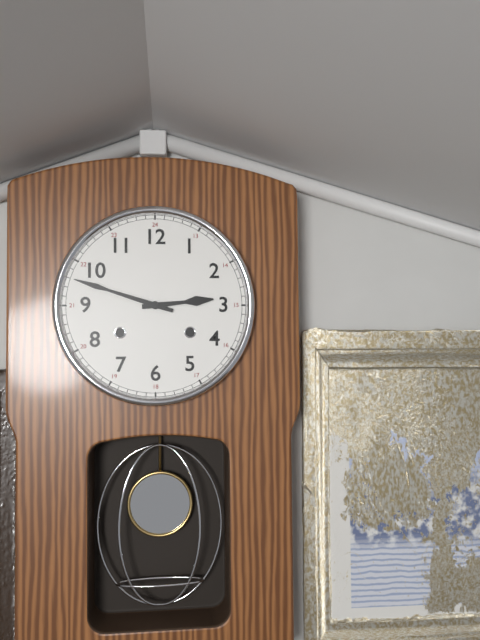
2.48
